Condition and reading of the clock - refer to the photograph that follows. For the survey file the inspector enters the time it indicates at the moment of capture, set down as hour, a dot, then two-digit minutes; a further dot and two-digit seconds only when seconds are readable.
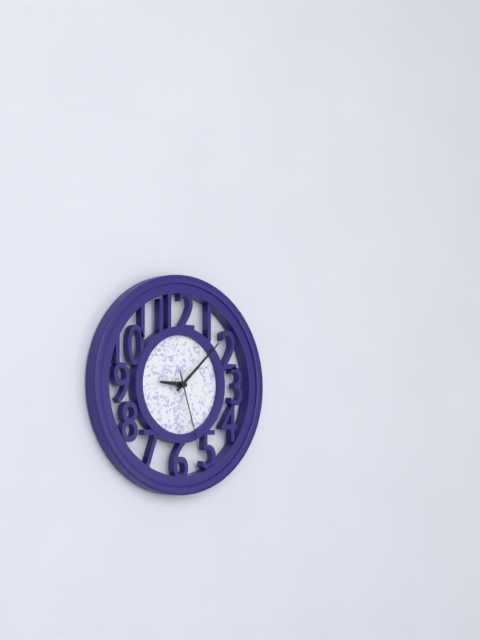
9.08.27
